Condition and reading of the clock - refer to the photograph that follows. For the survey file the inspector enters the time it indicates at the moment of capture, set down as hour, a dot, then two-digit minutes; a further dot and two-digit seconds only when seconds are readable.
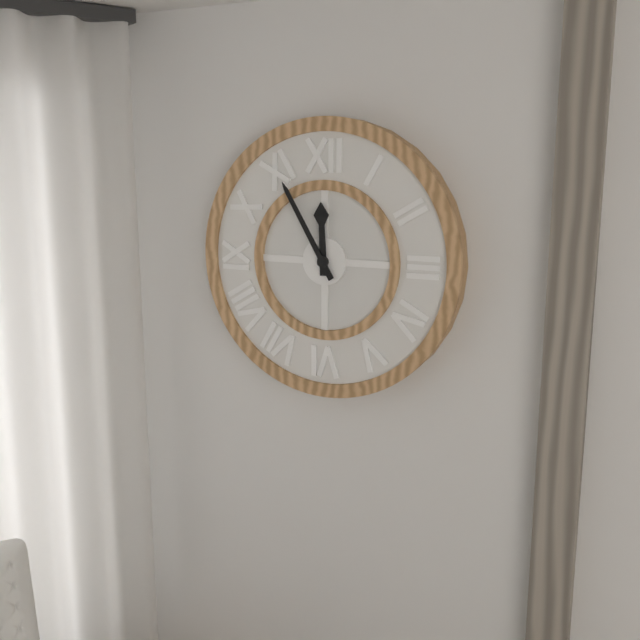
11.55
